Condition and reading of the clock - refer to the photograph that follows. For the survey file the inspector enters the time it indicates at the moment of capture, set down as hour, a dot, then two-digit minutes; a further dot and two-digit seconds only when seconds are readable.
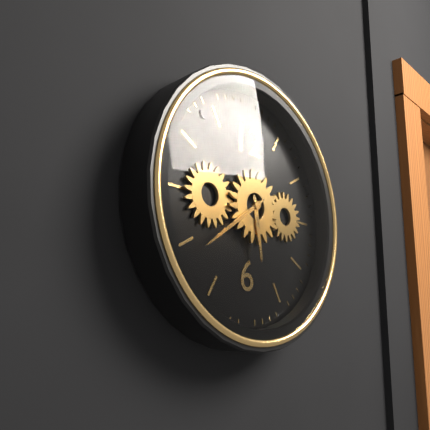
5.39
